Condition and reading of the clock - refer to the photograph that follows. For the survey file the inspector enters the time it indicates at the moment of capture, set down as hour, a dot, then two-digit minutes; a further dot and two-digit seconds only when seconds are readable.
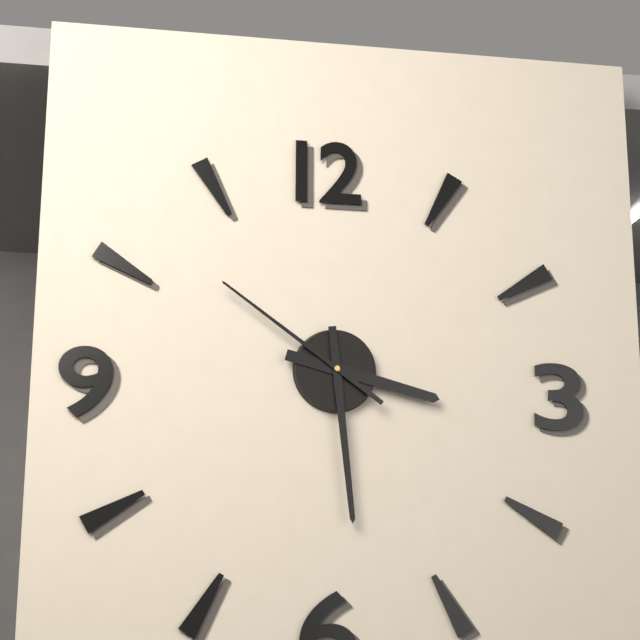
3.29.51
